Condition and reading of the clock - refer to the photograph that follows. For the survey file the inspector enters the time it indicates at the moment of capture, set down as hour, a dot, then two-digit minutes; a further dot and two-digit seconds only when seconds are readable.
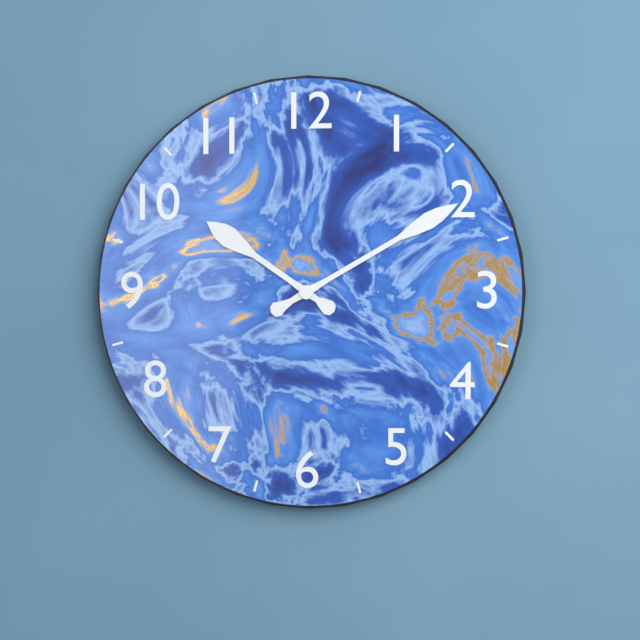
10.10
